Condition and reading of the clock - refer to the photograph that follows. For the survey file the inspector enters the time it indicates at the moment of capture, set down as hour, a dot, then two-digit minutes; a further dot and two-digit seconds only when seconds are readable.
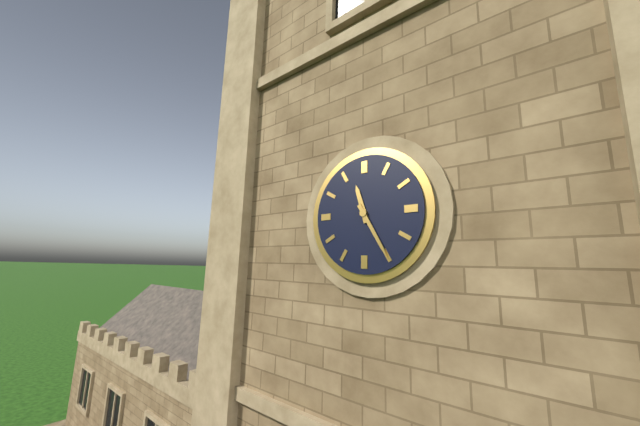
11.25
